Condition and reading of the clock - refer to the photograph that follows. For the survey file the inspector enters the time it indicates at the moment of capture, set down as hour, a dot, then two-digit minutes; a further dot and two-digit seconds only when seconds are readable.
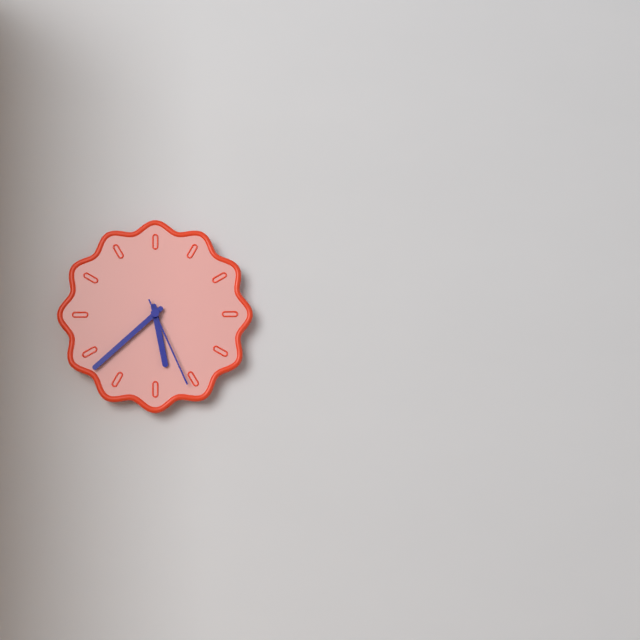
5.38.26
